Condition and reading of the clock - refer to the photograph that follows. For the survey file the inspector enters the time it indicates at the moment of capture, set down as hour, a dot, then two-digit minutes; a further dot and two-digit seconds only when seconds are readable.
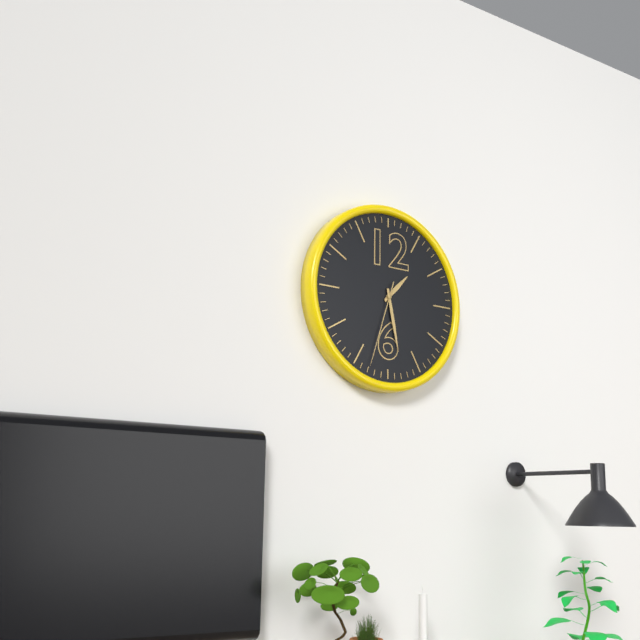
1.28.33
